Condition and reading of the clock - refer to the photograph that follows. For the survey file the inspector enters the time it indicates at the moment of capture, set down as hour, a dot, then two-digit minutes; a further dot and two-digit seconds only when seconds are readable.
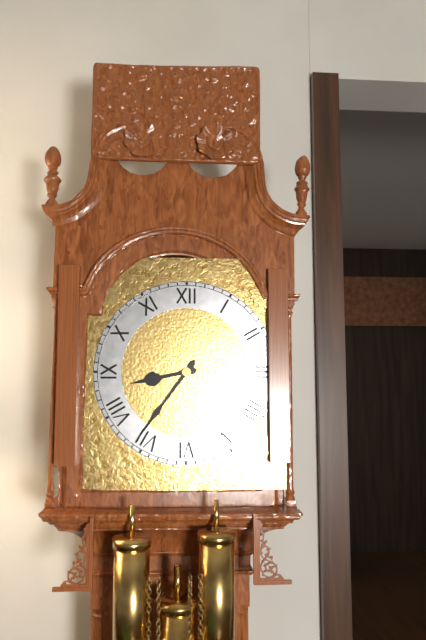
8.36
